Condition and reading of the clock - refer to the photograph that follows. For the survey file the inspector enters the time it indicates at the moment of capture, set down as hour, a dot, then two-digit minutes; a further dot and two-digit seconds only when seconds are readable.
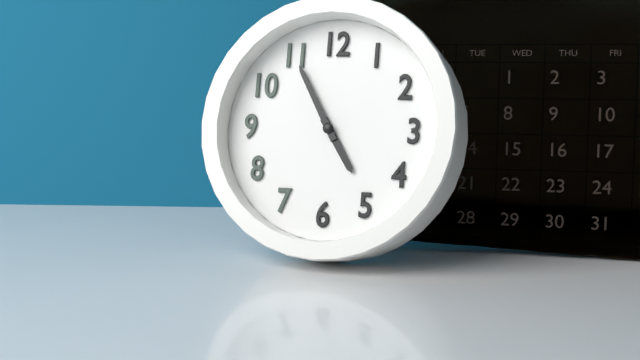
4.55
